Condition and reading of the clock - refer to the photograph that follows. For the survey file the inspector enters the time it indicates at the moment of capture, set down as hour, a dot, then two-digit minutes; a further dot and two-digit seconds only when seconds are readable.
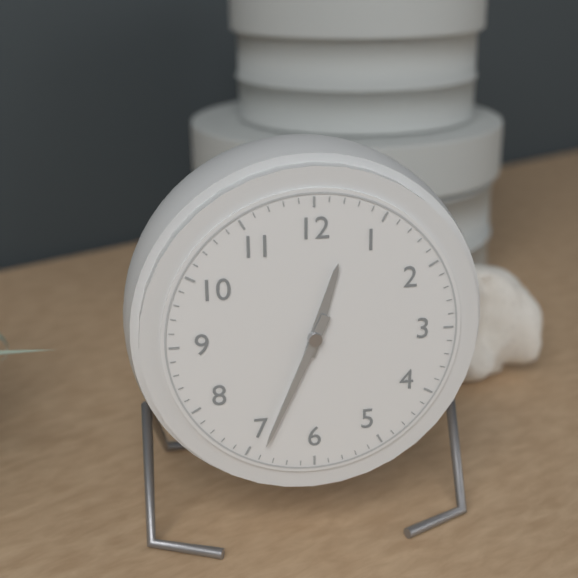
12.34
